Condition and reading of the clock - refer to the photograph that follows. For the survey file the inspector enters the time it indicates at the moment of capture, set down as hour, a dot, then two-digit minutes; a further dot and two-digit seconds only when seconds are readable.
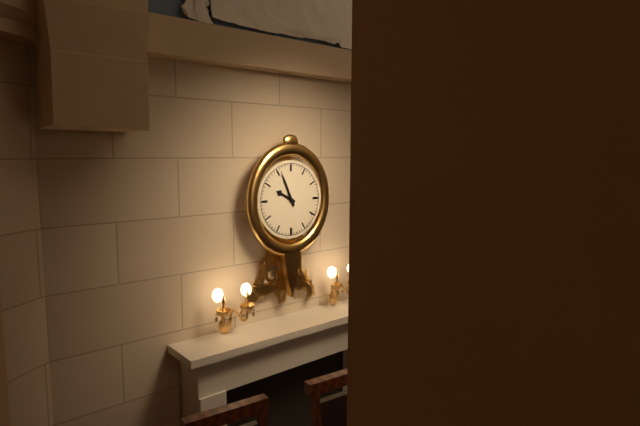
9.56
